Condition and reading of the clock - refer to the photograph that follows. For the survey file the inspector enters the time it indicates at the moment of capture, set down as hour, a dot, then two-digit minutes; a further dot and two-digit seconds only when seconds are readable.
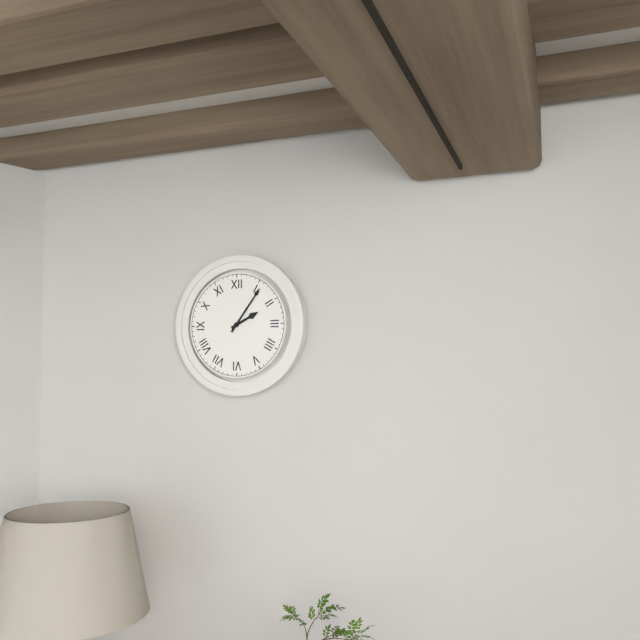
2.06
